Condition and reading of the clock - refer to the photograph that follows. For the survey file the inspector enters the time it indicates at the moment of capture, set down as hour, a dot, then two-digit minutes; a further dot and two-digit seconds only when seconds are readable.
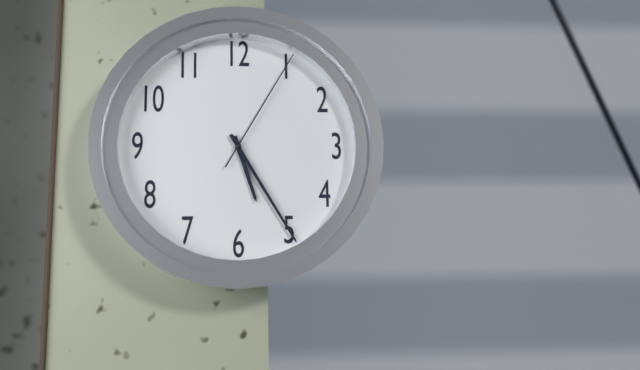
5.25.05
